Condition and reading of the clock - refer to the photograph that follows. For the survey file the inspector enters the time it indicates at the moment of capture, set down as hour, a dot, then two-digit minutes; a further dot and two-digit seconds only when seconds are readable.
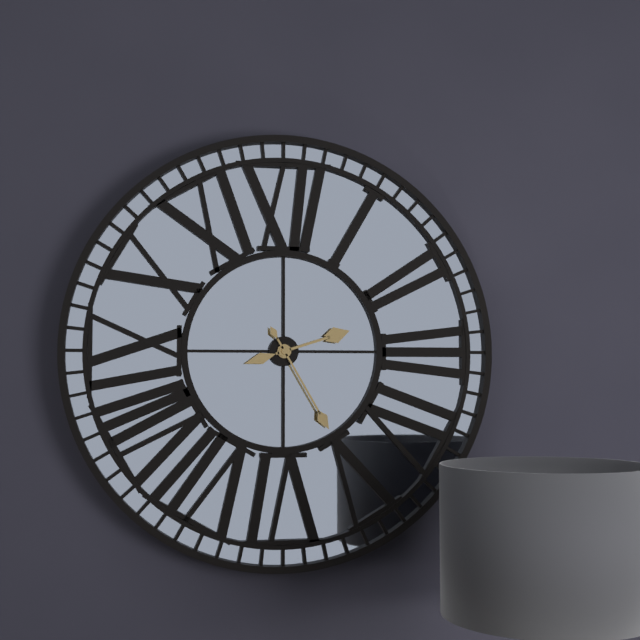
2.25
